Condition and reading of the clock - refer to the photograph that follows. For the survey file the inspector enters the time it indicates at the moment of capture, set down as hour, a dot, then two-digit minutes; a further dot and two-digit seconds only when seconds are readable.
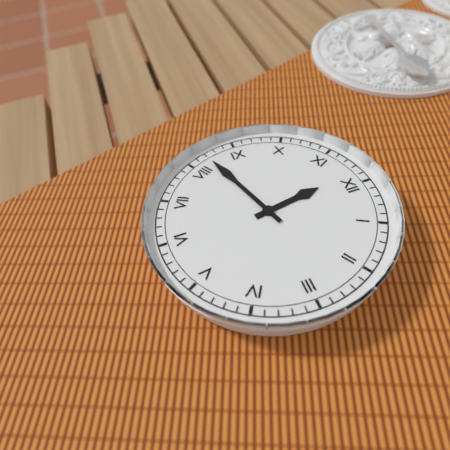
11.42
